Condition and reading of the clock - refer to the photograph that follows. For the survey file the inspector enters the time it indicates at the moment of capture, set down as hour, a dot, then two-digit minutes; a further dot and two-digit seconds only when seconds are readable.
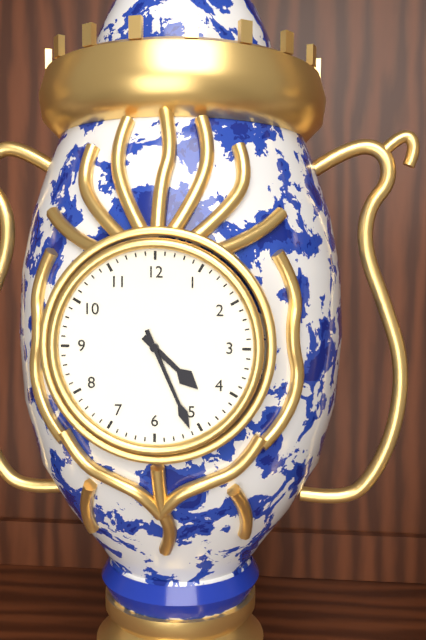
4.26
